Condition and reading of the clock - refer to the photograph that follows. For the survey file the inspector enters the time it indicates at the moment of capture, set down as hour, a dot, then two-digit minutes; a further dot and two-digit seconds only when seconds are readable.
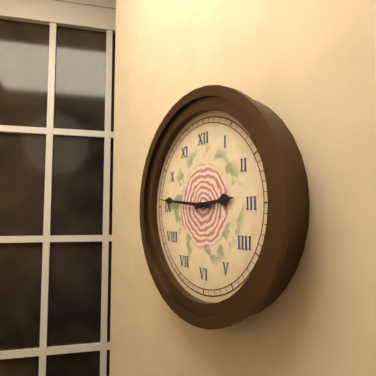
2.46
